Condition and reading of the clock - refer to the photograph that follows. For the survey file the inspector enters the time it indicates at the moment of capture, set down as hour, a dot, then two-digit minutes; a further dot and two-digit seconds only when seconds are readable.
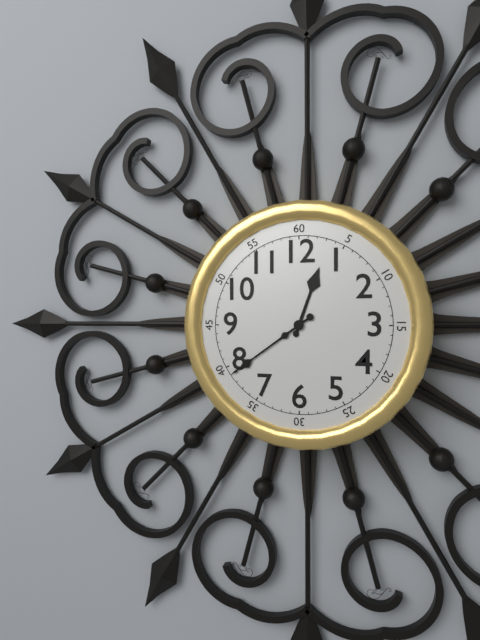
12.39
